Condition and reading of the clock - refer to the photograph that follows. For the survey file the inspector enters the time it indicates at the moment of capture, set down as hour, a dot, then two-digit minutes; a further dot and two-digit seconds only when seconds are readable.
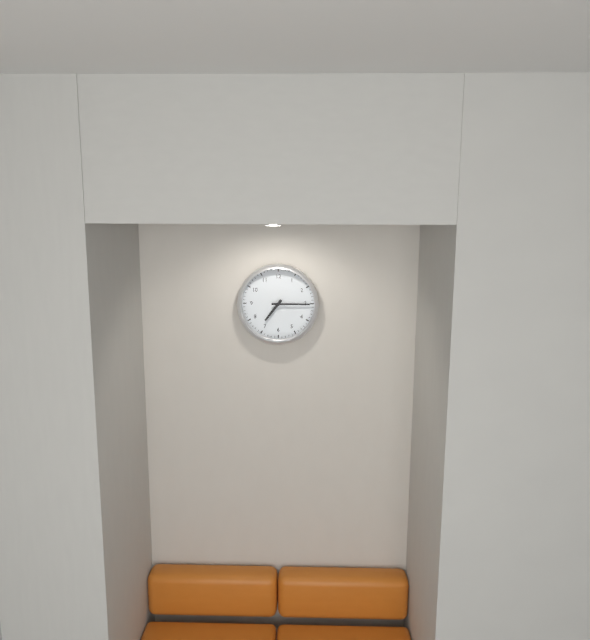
7.15
